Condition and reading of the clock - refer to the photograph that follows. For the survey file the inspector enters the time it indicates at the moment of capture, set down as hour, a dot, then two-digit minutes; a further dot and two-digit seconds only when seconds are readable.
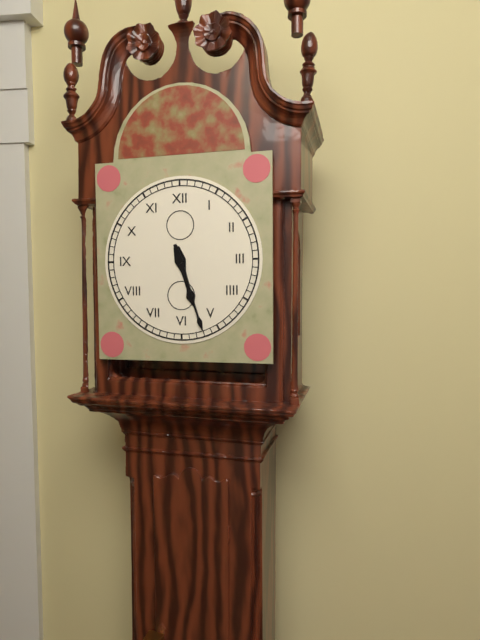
5.27
